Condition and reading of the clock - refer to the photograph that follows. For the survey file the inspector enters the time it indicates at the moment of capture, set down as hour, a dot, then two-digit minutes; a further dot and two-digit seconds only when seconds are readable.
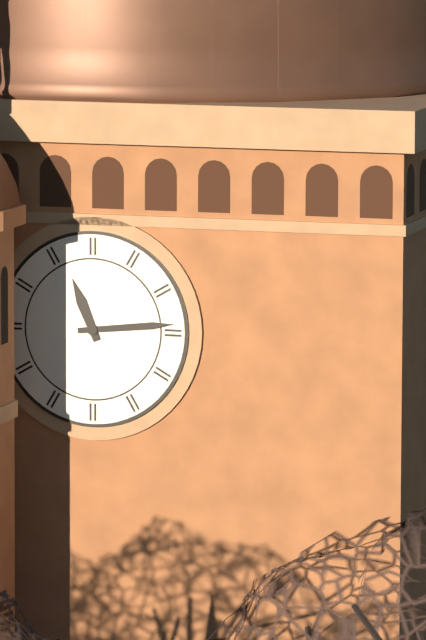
11.14
